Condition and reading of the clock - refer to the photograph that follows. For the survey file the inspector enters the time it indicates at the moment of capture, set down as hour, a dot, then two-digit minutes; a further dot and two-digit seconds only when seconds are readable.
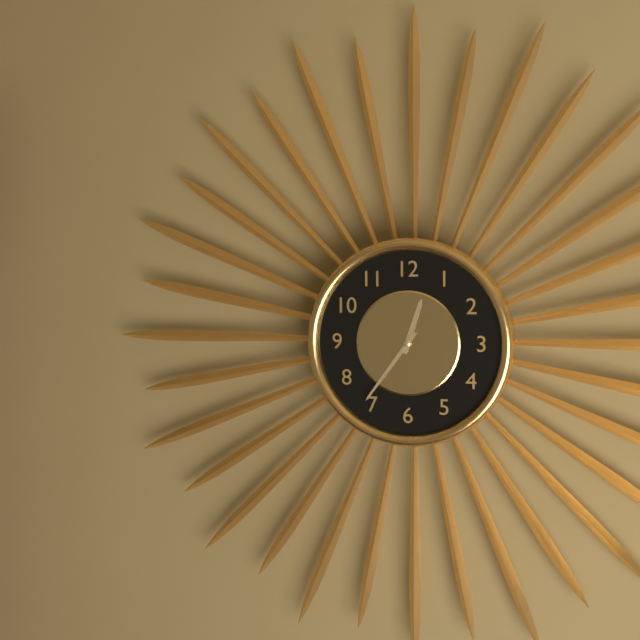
12.36
